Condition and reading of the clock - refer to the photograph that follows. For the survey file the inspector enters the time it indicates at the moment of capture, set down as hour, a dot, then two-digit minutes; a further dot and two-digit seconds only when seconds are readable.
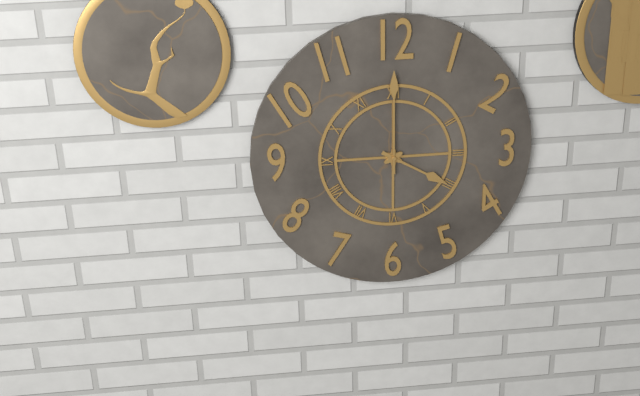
4.00
